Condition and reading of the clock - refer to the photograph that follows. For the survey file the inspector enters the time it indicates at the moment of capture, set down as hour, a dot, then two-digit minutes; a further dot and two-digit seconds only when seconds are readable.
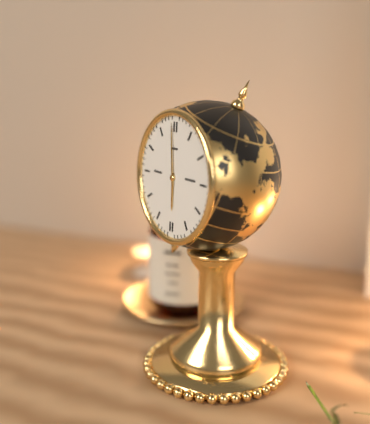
5.59
